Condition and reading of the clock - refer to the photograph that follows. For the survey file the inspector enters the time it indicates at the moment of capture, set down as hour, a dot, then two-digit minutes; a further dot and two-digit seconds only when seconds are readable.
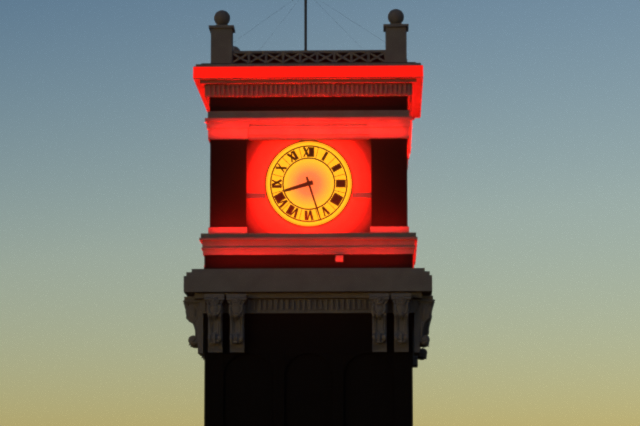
8.27
